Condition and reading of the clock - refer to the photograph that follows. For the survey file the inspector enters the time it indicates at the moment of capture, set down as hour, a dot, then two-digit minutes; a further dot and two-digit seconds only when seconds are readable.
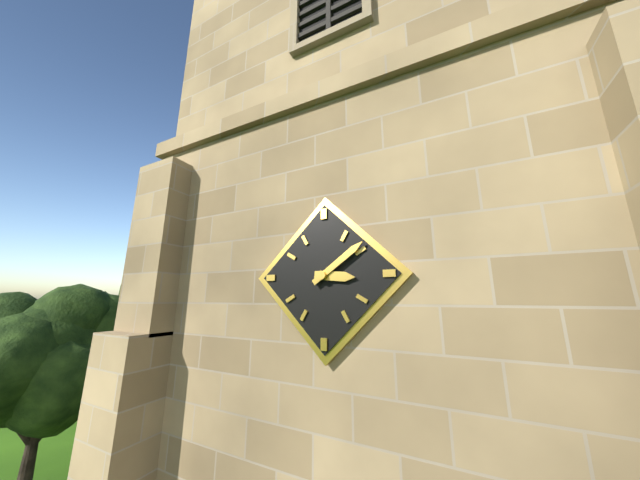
3.09
